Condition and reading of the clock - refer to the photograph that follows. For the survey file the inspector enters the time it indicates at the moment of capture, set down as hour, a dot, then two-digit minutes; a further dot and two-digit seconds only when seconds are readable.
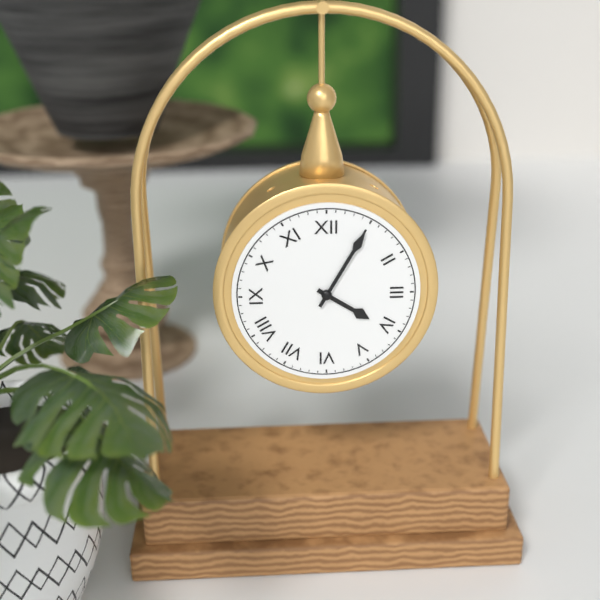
4.05
